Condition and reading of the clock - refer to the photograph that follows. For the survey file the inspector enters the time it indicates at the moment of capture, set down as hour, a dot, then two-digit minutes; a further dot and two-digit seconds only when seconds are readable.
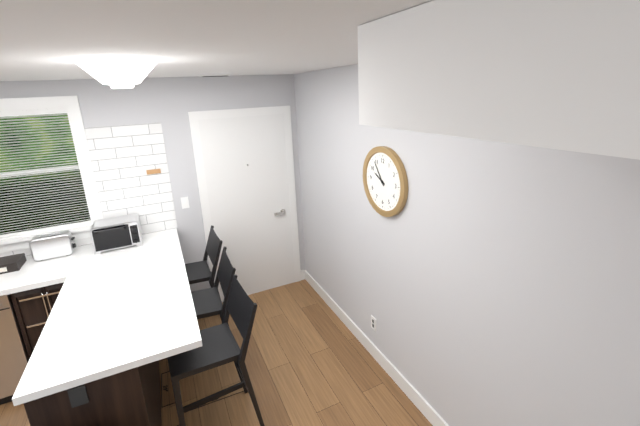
9.54
